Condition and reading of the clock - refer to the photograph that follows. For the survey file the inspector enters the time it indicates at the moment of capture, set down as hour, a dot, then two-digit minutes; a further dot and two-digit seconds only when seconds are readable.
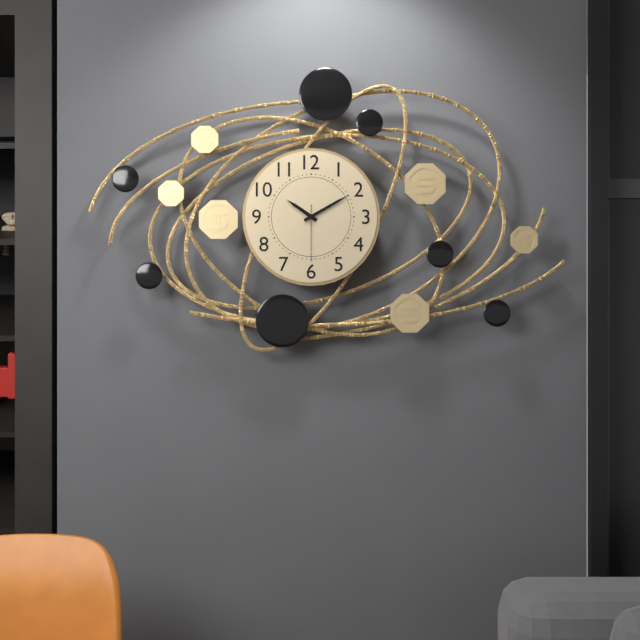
10.10.30
